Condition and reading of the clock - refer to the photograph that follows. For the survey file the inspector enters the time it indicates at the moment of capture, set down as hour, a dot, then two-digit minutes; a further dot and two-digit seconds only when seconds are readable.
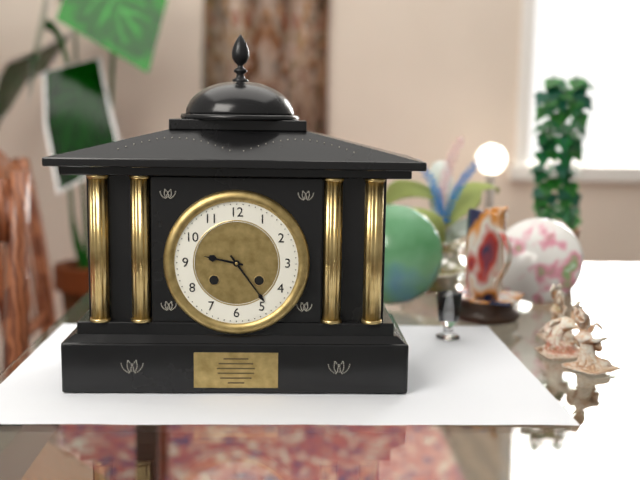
9.24
